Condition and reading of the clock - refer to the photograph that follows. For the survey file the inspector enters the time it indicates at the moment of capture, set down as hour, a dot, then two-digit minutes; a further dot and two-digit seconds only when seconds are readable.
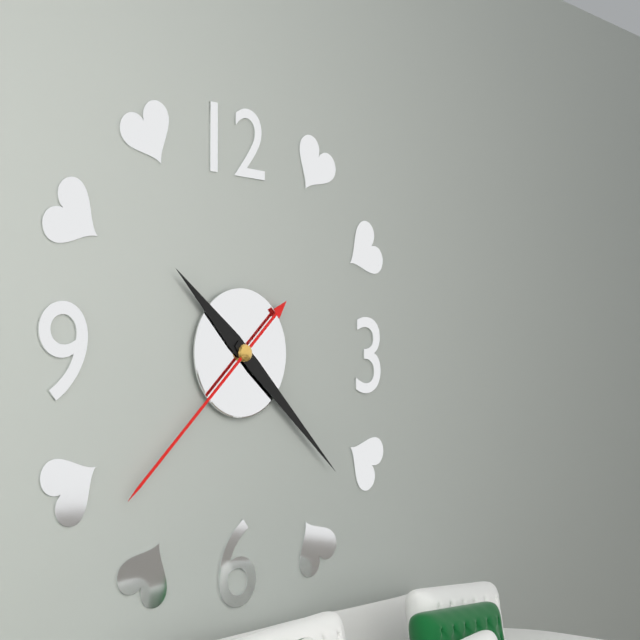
10.22.38
